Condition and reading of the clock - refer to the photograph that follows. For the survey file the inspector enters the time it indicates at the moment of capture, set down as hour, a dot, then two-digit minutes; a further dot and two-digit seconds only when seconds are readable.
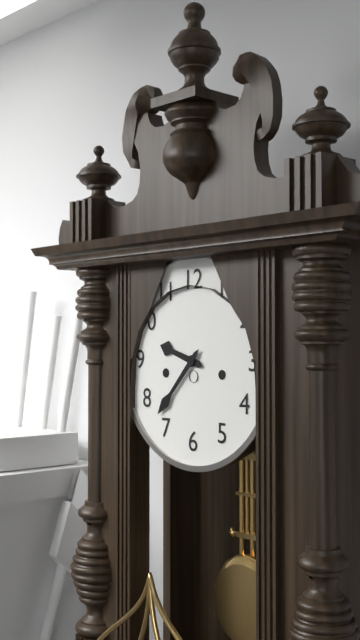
9.37
